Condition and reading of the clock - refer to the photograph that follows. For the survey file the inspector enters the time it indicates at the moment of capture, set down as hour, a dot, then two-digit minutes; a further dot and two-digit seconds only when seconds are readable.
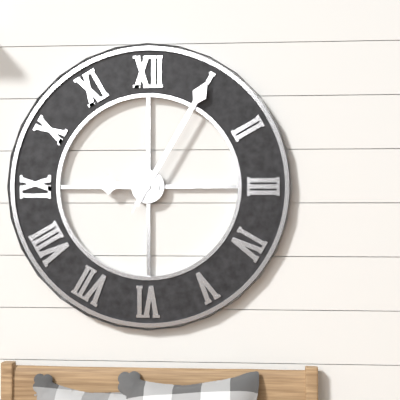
9.05.05
